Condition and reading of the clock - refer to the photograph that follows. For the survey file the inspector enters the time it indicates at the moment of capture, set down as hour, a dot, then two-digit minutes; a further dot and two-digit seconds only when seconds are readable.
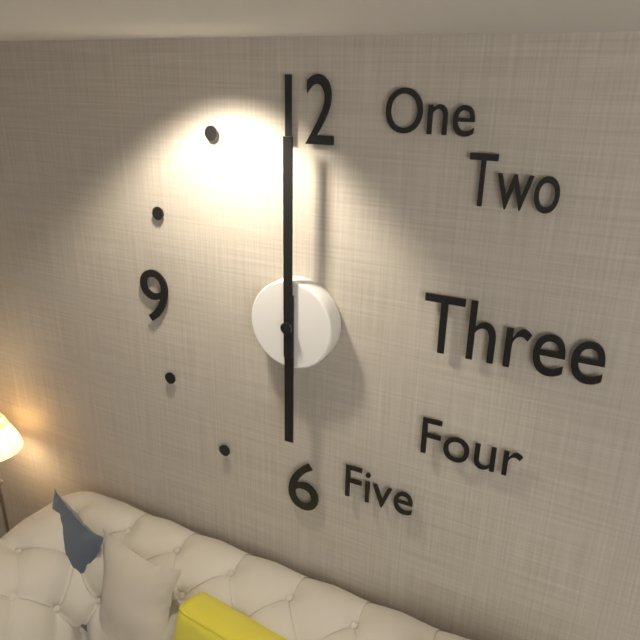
6.00
